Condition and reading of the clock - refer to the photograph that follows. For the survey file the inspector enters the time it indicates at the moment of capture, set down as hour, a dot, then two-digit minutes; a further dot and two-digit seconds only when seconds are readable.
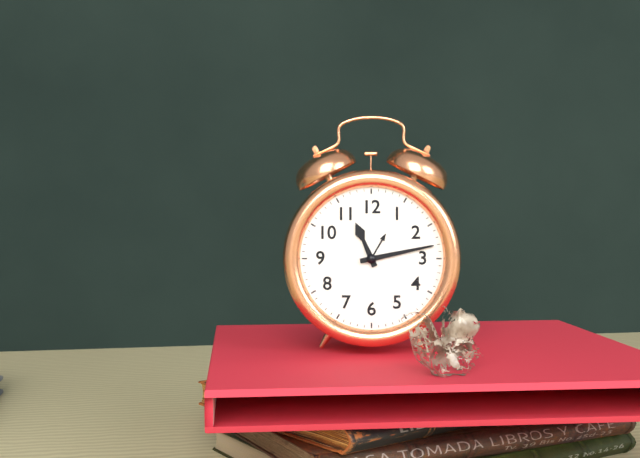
11.13
